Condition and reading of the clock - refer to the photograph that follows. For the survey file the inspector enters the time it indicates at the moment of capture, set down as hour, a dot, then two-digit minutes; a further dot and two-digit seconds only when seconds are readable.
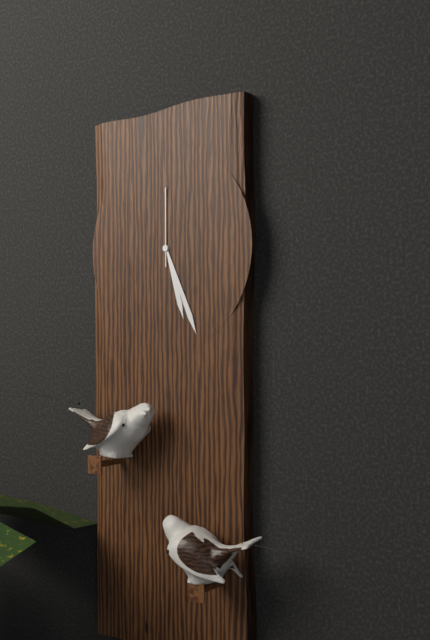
5.26.00
